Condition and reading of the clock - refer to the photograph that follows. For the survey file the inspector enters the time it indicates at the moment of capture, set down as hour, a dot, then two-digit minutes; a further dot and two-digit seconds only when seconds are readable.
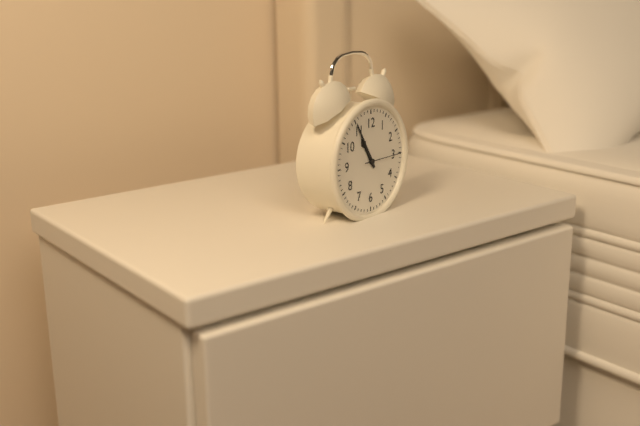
10.55
